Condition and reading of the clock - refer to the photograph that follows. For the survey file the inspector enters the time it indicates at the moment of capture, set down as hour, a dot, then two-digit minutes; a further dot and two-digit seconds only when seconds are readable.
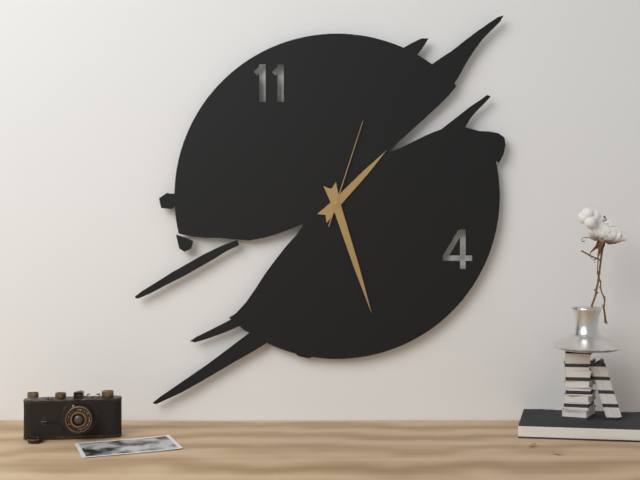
1.27.03
